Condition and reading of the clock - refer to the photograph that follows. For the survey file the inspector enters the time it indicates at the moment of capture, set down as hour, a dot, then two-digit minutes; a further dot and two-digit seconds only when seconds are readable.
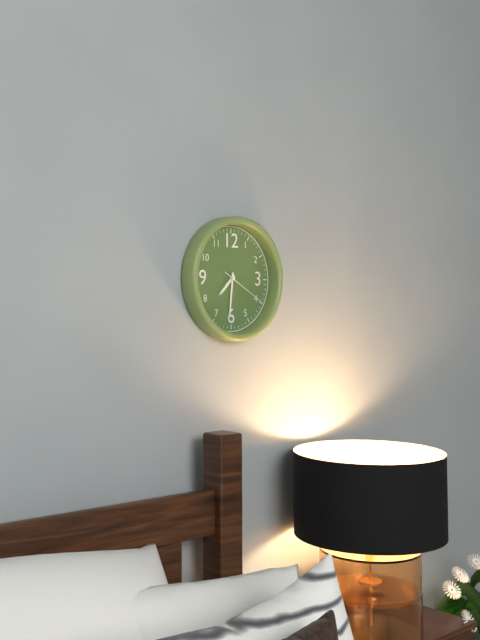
7.31
